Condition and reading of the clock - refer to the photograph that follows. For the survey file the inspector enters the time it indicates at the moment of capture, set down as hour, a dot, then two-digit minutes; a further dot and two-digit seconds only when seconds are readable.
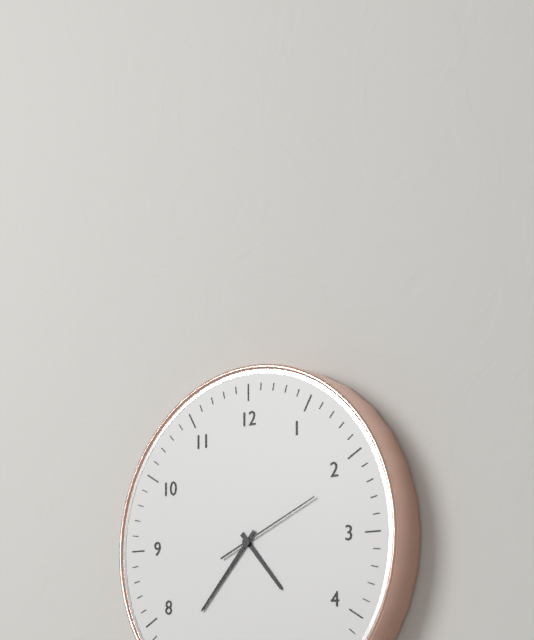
4.37.11
